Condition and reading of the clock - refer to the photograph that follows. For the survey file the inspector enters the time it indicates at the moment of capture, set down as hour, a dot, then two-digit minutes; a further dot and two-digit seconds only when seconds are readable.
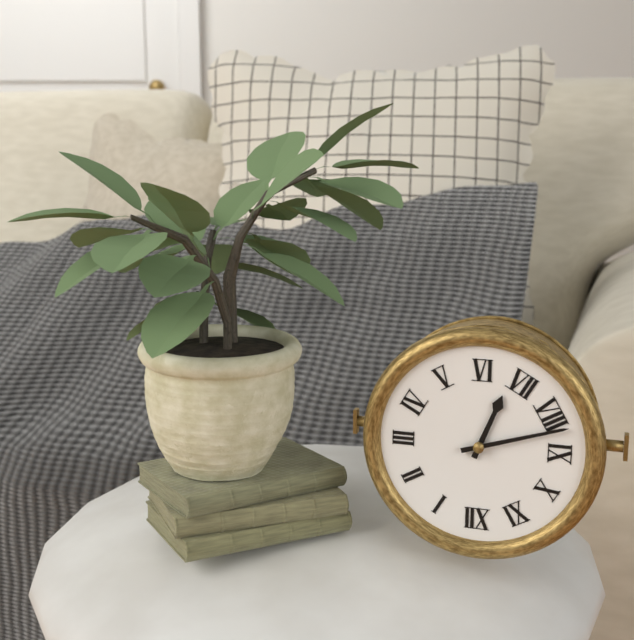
6.42
